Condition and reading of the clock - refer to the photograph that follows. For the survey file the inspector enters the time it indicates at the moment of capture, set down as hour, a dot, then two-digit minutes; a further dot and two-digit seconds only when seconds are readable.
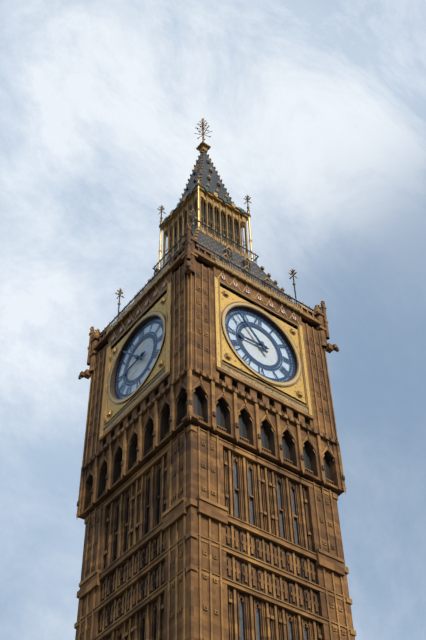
8.53
